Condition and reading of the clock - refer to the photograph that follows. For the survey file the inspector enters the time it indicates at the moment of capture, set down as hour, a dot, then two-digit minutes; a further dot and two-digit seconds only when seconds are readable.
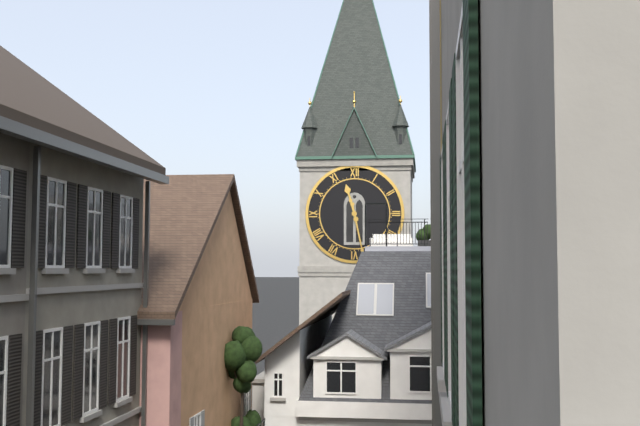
11.28
